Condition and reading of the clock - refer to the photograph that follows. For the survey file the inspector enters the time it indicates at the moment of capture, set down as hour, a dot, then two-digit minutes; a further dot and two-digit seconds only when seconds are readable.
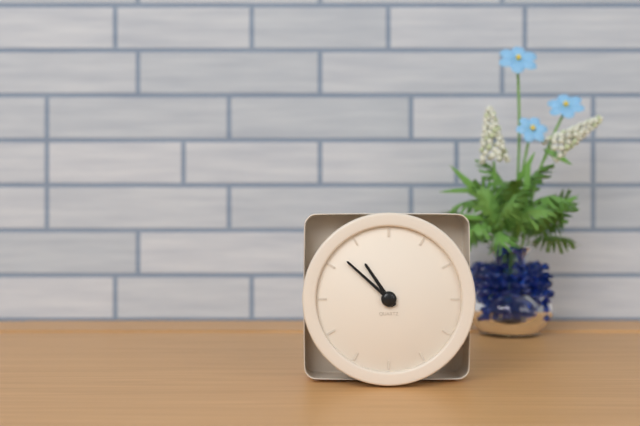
10.52
